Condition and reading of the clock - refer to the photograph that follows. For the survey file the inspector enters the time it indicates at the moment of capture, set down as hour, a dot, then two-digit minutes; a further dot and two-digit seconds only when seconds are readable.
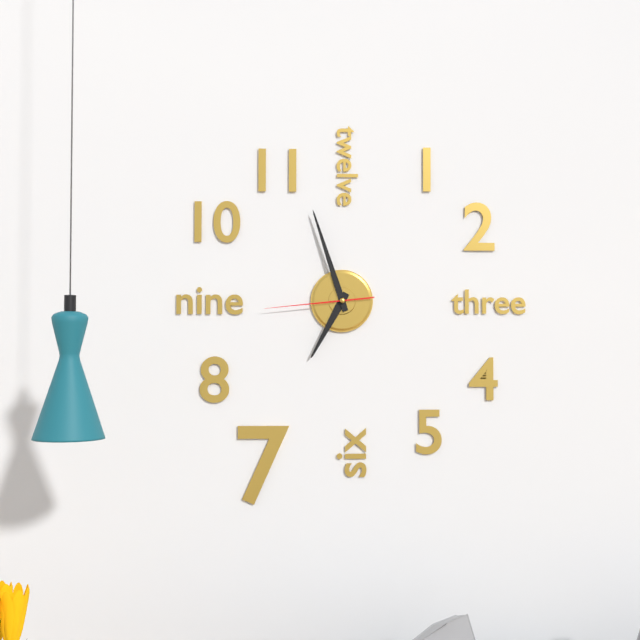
6.57.44
